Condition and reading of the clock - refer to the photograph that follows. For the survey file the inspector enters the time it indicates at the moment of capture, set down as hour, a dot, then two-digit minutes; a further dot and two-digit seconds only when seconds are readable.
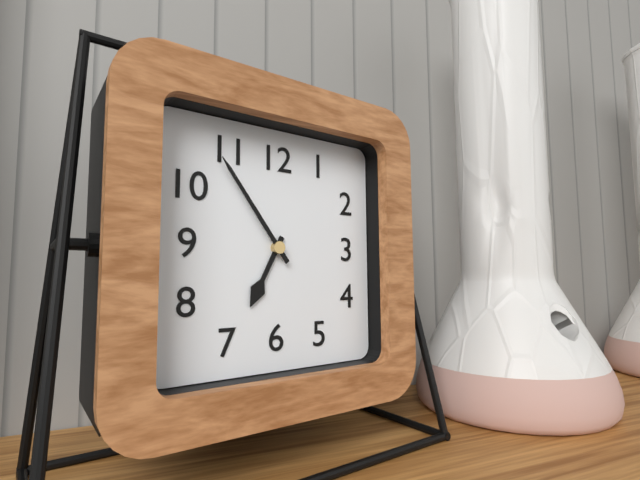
6.54
